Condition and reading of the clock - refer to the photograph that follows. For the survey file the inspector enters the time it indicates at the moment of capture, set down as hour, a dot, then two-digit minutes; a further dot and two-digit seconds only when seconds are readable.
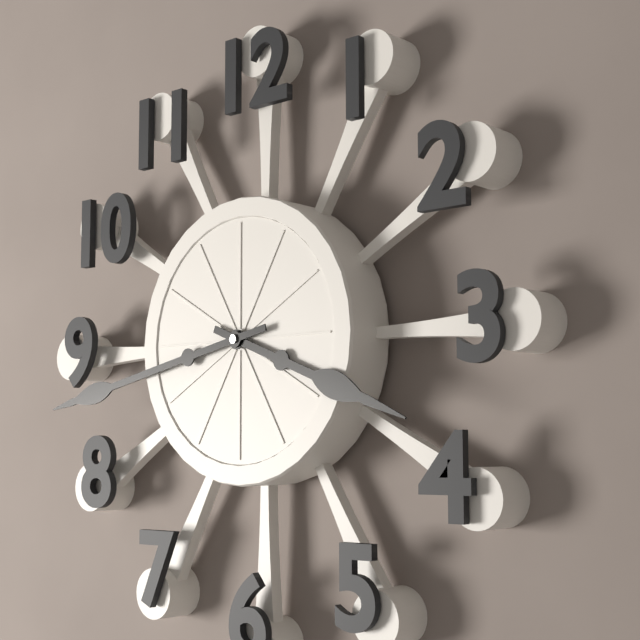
3.43
